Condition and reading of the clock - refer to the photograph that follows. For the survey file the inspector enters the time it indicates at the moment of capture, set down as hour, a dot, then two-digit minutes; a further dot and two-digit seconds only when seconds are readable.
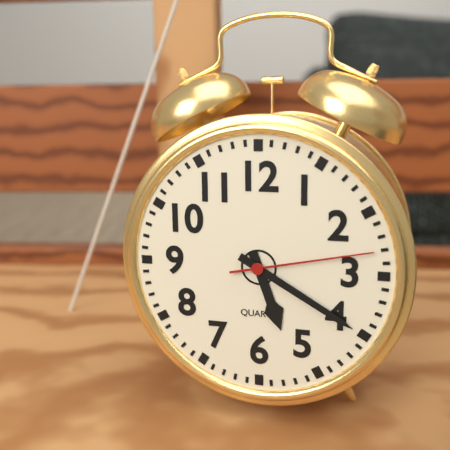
5.20.13
